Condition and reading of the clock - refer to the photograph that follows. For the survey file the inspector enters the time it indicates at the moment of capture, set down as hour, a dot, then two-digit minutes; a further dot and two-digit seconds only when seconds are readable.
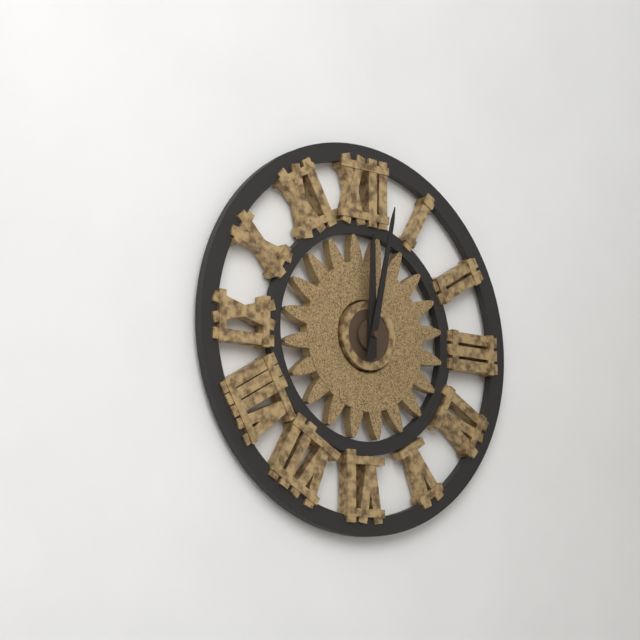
12.02
